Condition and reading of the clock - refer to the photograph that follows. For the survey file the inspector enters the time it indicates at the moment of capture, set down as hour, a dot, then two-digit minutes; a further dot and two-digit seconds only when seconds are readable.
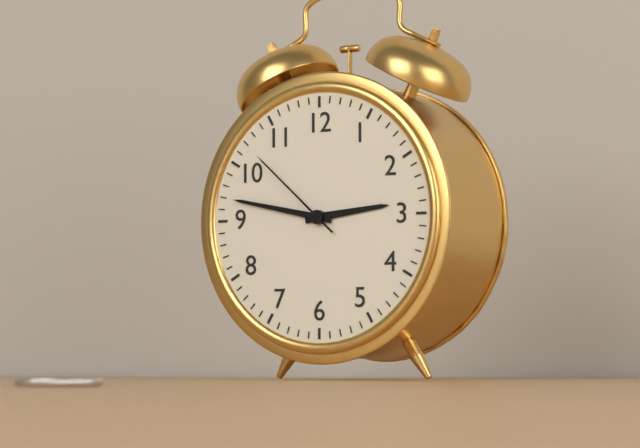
2.47.52
